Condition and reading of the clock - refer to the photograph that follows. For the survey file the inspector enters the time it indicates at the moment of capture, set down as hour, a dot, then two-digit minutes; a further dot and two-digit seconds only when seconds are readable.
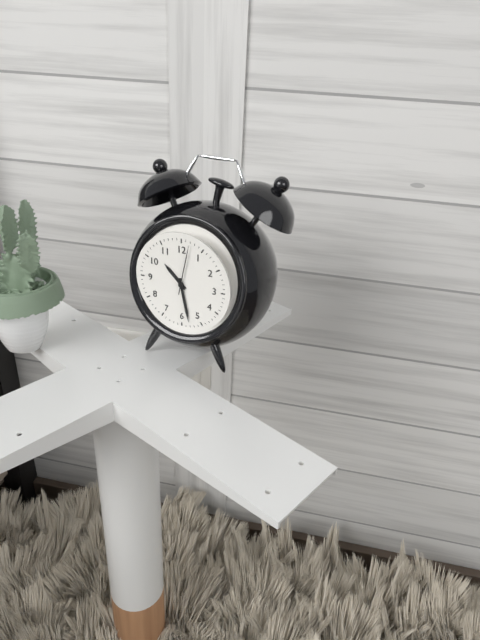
10.28.02
